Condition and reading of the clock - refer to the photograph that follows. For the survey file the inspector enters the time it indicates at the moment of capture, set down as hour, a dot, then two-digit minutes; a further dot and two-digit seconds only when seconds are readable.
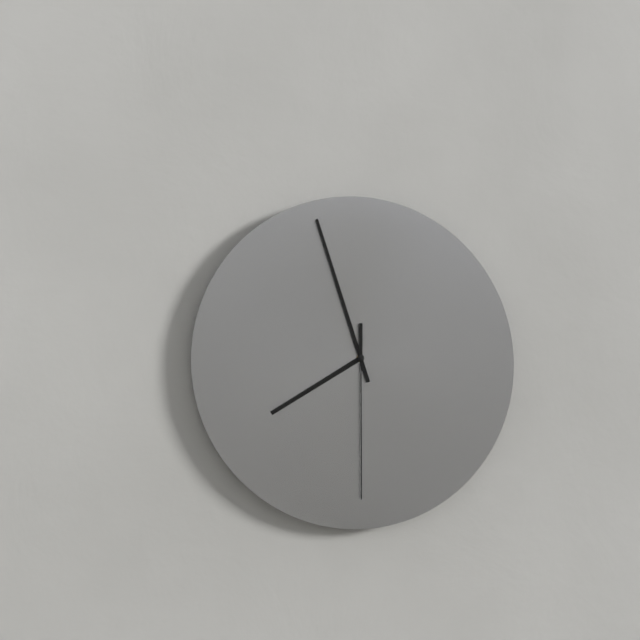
7.57.30
